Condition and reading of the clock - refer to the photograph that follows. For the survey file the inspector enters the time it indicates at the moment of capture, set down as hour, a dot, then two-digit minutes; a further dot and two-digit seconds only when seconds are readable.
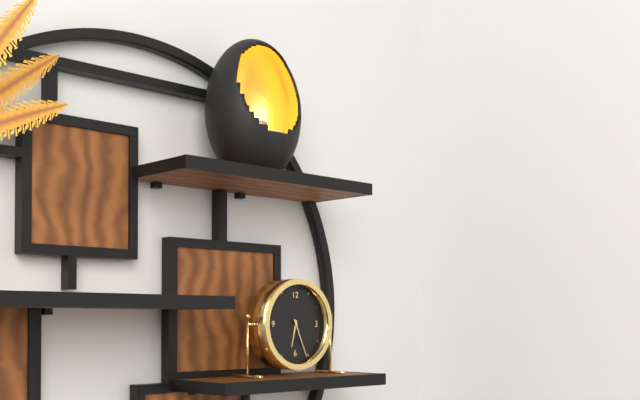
6.26
